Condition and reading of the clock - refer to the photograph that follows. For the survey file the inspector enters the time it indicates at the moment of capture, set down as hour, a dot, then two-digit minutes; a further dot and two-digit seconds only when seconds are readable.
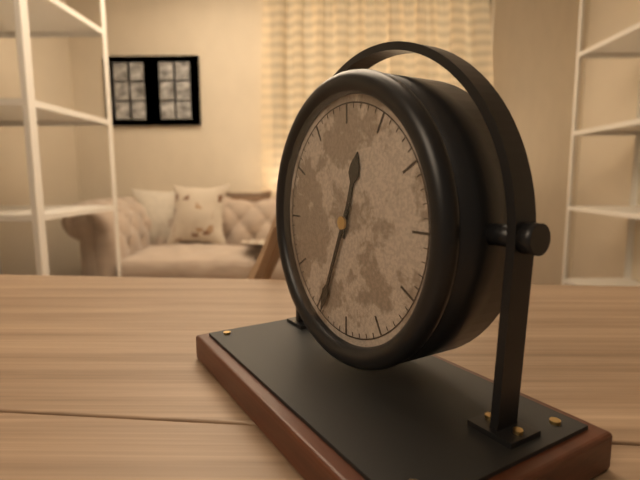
12.34
